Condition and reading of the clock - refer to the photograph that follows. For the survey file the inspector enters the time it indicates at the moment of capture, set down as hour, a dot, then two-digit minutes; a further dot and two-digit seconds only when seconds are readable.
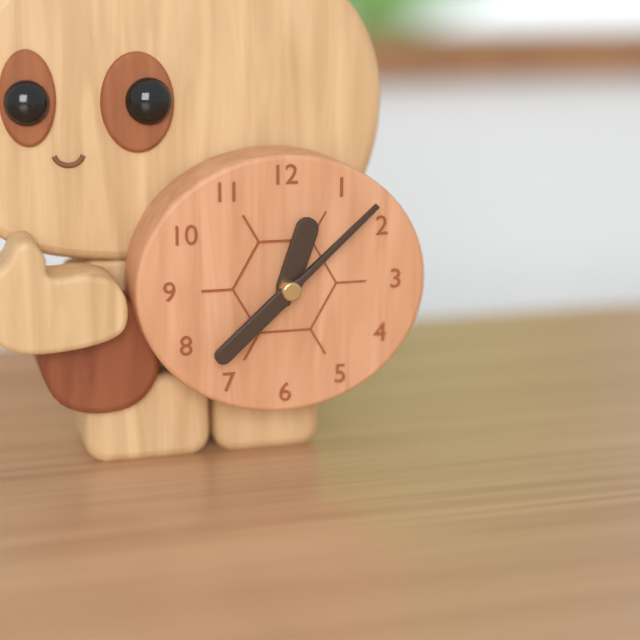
12.38
